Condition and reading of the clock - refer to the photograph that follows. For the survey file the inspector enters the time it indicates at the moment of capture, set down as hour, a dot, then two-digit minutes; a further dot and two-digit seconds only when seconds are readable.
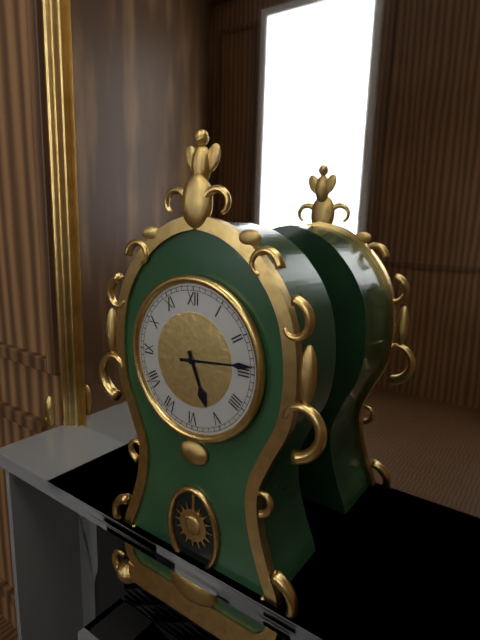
5.14
